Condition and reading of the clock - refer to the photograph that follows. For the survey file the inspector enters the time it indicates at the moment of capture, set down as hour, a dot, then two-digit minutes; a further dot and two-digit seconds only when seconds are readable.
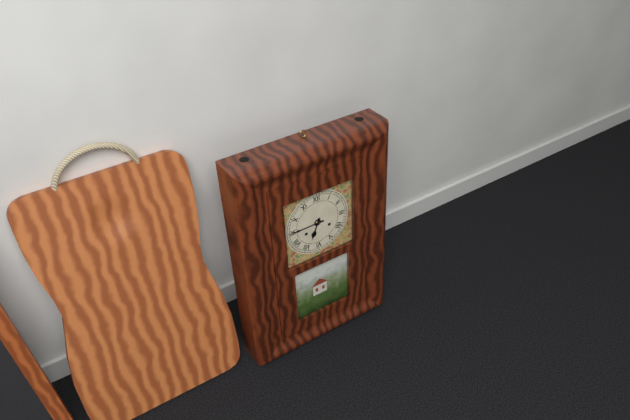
6.45
